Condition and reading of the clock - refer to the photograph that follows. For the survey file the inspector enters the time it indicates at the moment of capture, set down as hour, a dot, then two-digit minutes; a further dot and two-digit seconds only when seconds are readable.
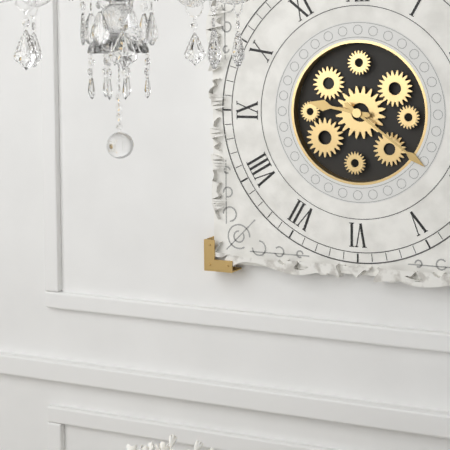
9.21
